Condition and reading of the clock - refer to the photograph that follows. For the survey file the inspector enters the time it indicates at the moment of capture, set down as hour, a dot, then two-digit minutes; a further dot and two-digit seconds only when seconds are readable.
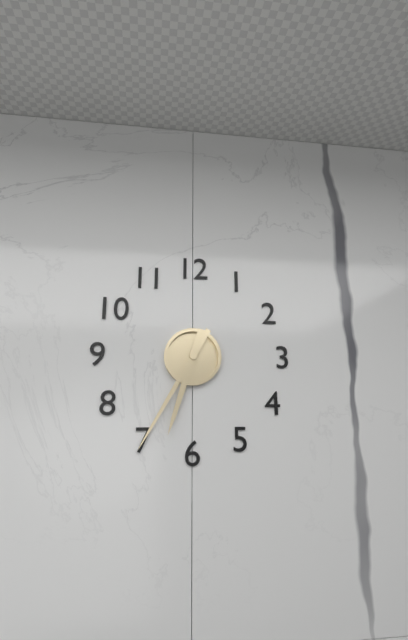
6.35
